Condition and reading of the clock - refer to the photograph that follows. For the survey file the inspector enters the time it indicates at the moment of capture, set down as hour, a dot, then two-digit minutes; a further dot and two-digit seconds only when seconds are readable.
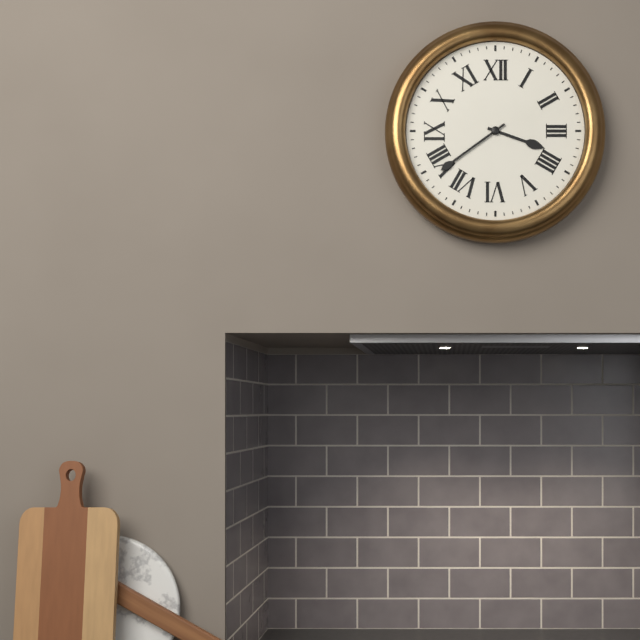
3.39
